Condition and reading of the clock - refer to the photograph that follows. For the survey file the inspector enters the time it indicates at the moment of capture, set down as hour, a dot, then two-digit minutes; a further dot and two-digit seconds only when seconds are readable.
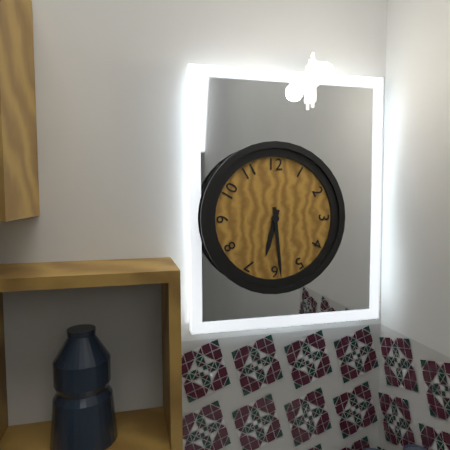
6.29
